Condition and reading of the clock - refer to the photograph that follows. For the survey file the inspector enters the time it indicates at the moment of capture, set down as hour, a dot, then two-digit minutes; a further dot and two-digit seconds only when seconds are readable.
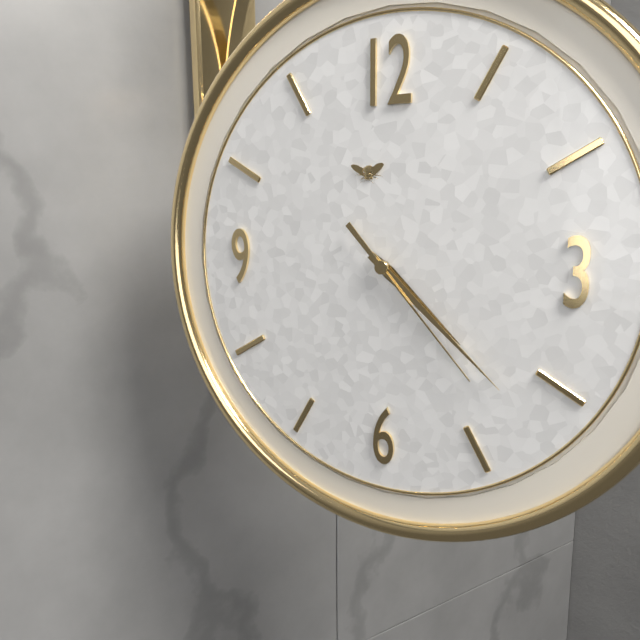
4.22.23
